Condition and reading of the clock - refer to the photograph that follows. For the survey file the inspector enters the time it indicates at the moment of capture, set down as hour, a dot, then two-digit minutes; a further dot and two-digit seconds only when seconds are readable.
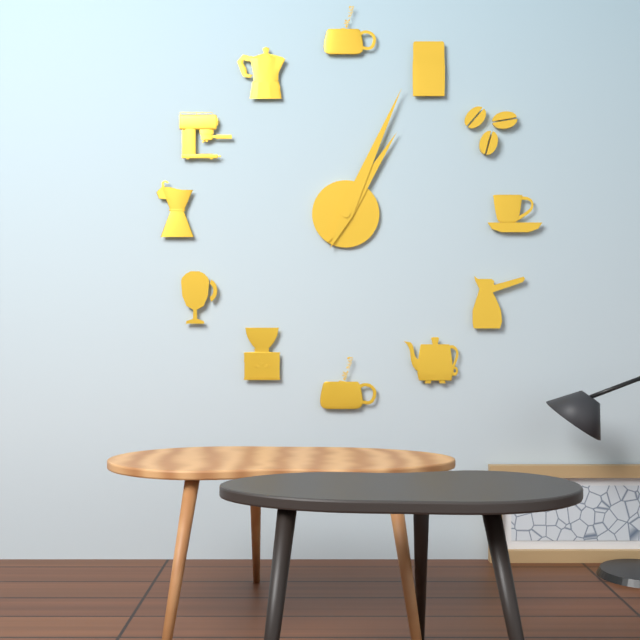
1.04
